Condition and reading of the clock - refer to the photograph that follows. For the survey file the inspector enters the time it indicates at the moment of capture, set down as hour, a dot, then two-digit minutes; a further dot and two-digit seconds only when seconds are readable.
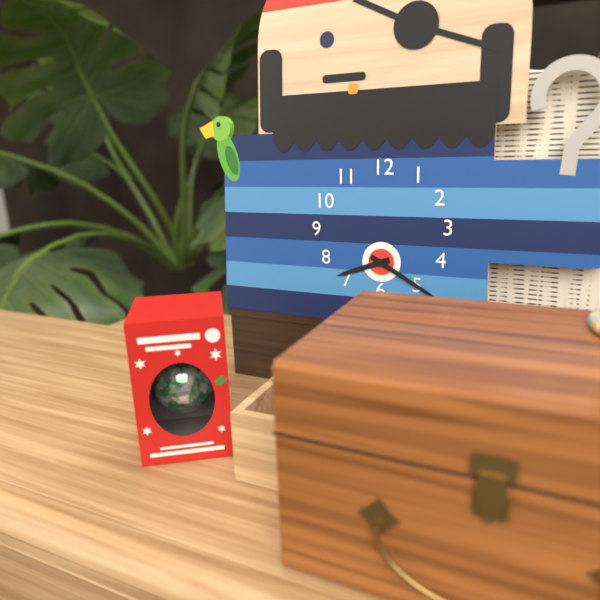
8.20
